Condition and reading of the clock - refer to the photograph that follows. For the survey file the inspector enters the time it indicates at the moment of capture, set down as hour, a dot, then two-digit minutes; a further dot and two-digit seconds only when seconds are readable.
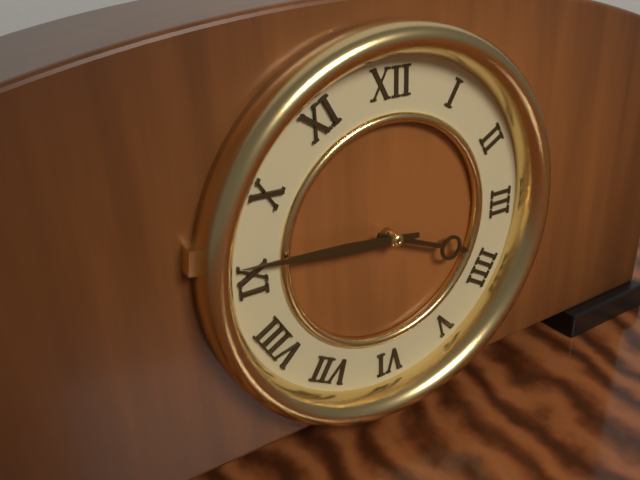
3.46
